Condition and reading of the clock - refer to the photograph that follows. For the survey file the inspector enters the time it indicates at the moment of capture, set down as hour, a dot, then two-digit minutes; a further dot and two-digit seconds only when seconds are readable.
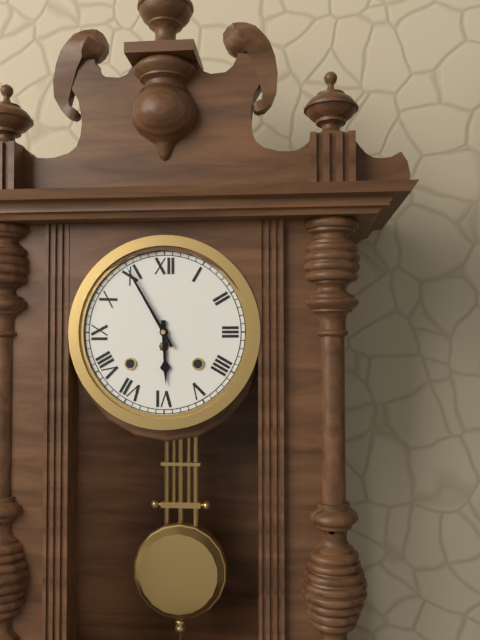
5.55
